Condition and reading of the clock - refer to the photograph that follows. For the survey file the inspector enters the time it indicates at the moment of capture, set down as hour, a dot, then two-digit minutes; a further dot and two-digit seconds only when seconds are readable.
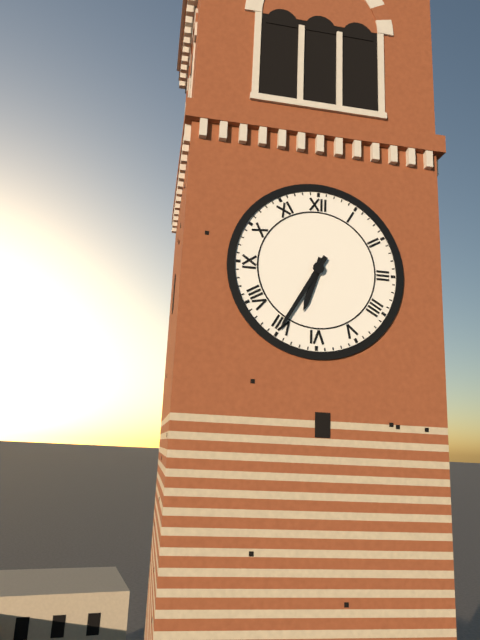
6.35
